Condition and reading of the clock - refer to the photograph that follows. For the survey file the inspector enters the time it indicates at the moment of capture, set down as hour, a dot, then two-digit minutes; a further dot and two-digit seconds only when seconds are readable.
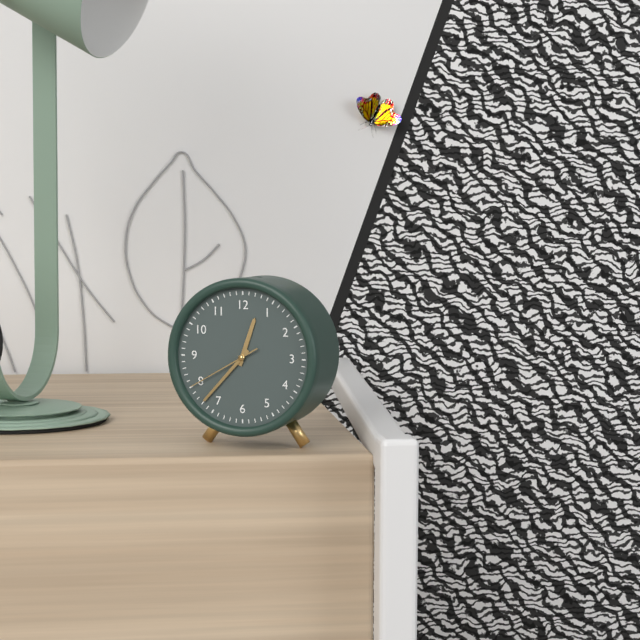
12.37.40
